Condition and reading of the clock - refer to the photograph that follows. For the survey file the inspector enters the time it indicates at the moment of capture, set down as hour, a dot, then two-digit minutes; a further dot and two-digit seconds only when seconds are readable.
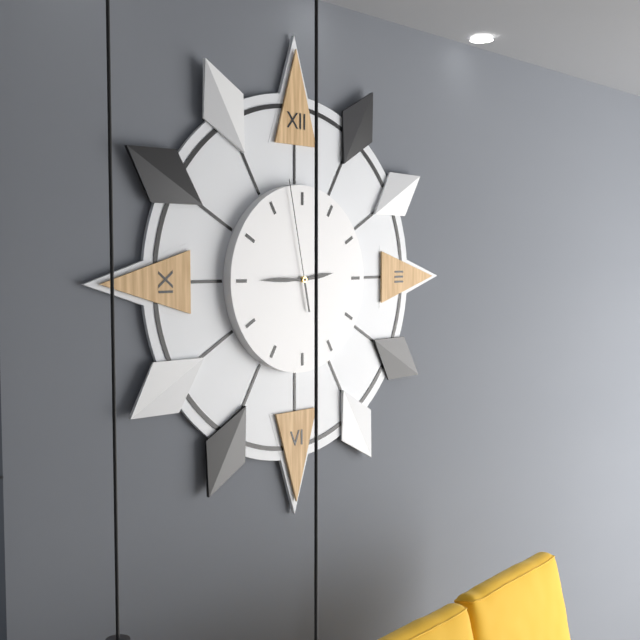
2.45.58
